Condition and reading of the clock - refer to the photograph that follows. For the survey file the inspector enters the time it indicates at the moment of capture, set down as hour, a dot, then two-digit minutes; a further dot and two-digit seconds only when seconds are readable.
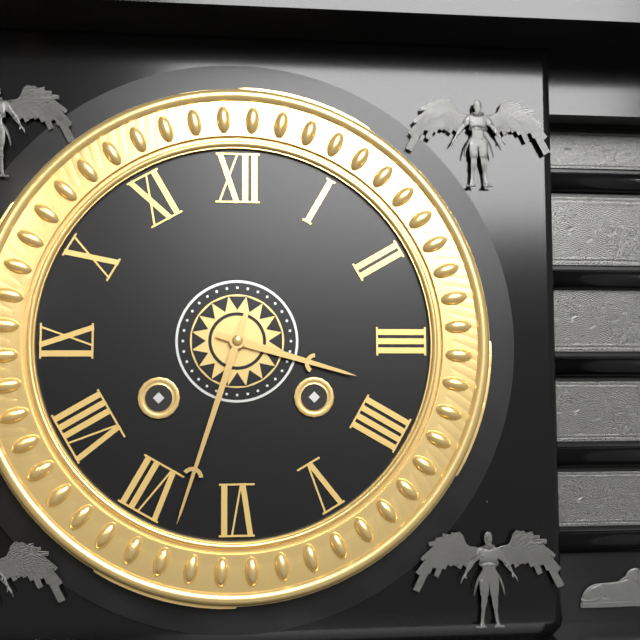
3.33
